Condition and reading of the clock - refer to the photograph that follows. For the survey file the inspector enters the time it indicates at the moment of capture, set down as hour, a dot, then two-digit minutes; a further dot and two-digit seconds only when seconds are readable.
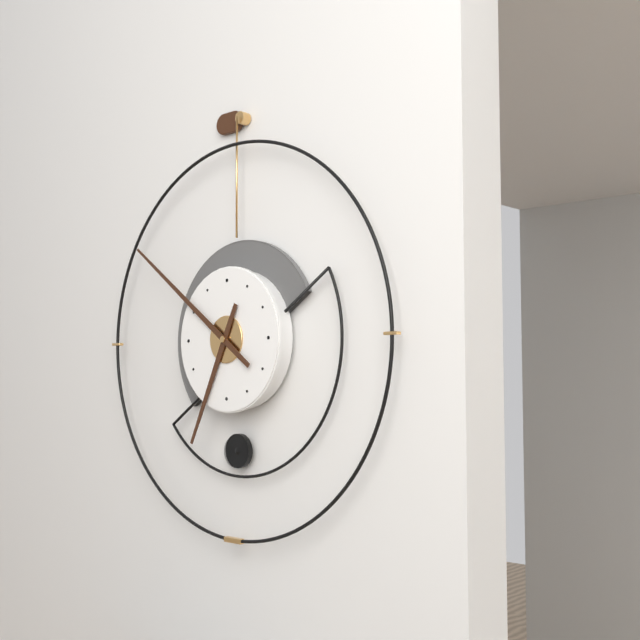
6.51
